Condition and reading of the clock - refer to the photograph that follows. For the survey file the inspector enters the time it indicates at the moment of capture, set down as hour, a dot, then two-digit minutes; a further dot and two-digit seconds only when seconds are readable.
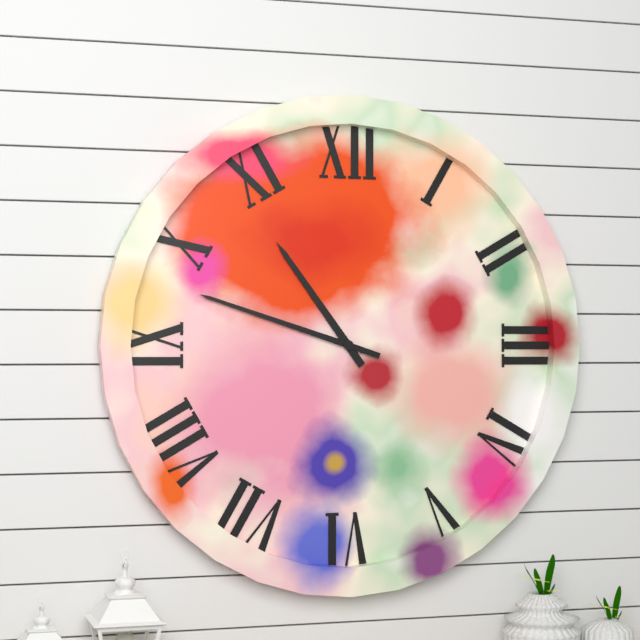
10.48
